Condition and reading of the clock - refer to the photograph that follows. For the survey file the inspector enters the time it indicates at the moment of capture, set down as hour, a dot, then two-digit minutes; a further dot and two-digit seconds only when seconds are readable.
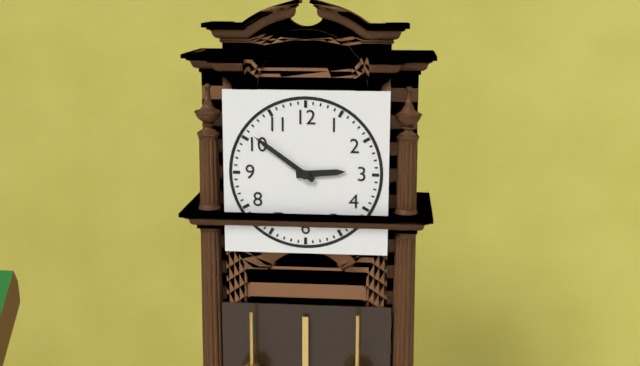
2.51
